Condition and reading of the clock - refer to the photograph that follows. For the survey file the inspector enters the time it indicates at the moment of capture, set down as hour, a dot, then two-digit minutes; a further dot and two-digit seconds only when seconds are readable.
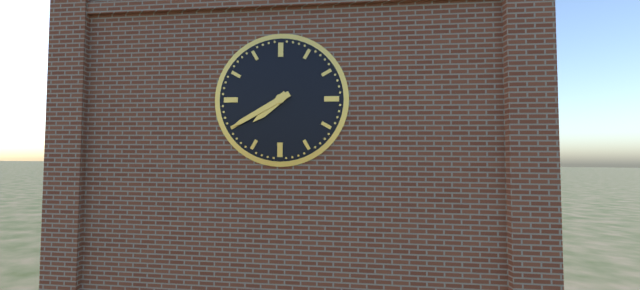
7.40
